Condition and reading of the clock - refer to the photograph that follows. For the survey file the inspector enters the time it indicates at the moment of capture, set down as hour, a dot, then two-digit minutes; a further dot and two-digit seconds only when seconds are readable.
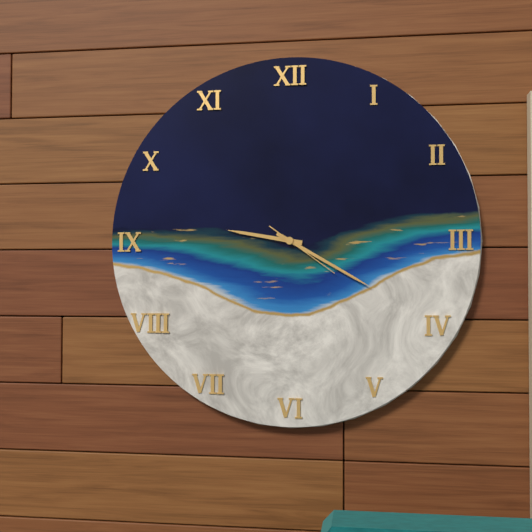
9.20.21
